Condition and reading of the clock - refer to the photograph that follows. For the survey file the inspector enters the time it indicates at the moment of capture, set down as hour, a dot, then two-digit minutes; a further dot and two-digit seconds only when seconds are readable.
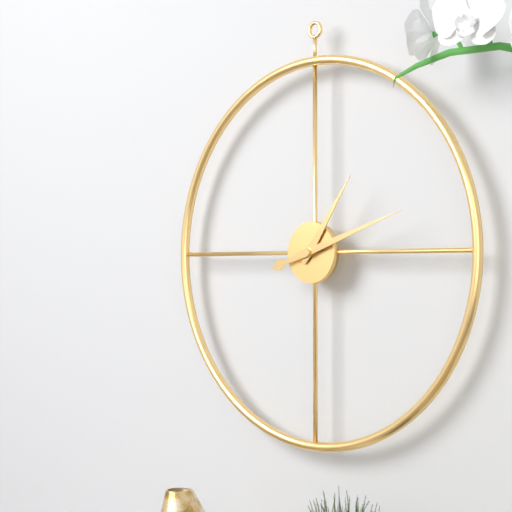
1.12
